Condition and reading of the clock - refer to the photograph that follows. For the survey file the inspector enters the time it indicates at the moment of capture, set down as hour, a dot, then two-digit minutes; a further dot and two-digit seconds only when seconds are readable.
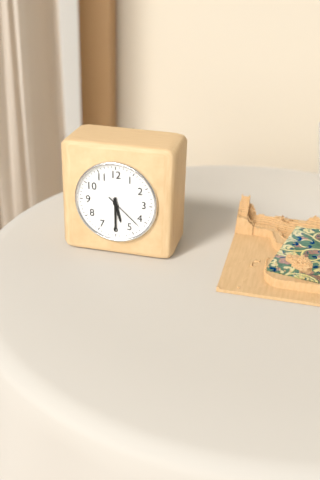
5.30
